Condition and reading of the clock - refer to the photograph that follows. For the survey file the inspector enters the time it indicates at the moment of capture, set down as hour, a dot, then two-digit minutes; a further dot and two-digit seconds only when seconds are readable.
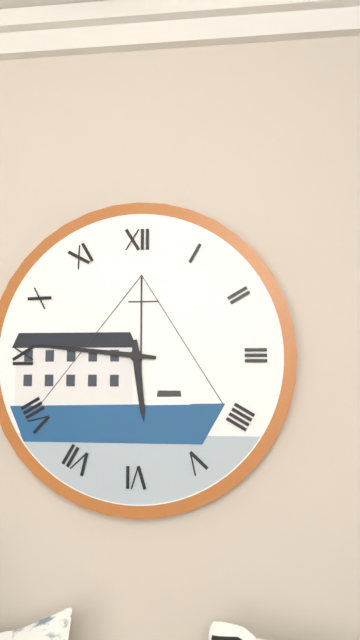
5.46
